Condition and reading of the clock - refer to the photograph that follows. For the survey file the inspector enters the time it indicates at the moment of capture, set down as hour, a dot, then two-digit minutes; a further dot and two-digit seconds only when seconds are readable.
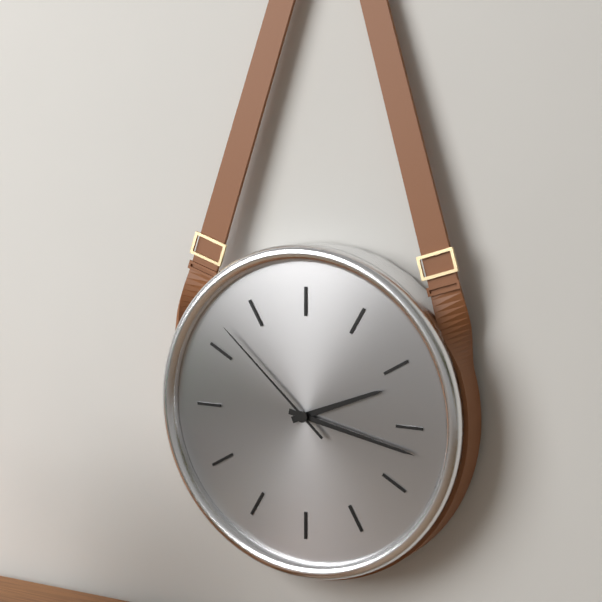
2.17.52
